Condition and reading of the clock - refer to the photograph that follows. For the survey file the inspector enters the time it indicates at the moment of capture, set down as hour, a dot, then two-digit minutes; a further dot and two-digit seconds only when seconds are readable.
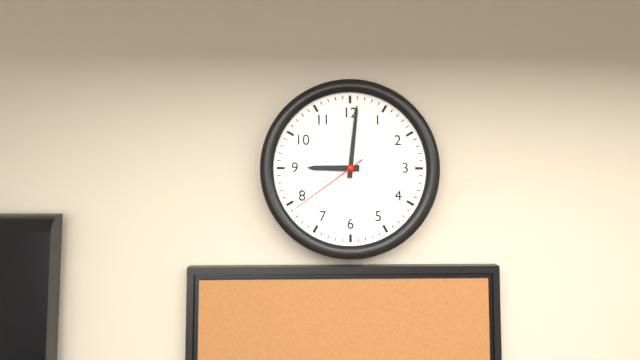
9.01.39
